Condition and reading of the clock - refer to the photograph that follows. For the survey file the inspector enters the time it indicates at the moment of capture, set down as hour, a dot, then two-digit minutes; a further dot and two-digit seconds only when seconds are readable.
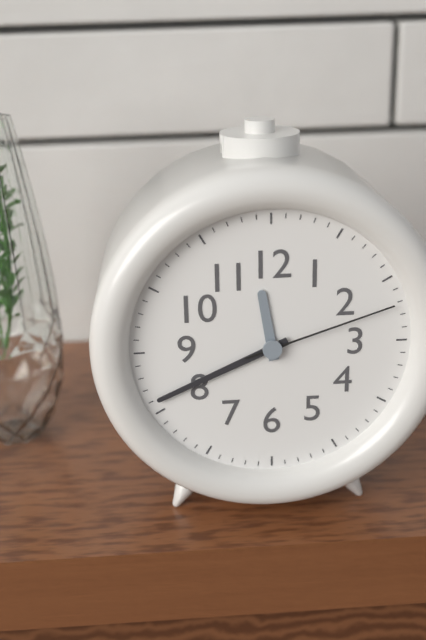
11.41.12
